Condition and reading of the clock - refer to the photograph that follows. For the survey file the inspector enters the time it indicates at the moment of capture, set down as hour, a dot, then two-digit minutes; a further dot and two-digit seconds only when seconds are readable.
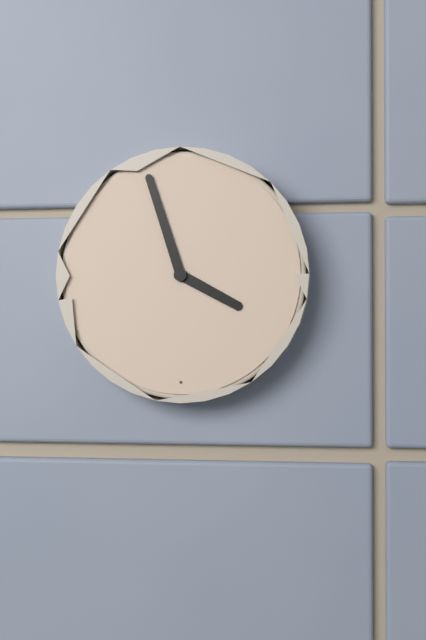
3.57
